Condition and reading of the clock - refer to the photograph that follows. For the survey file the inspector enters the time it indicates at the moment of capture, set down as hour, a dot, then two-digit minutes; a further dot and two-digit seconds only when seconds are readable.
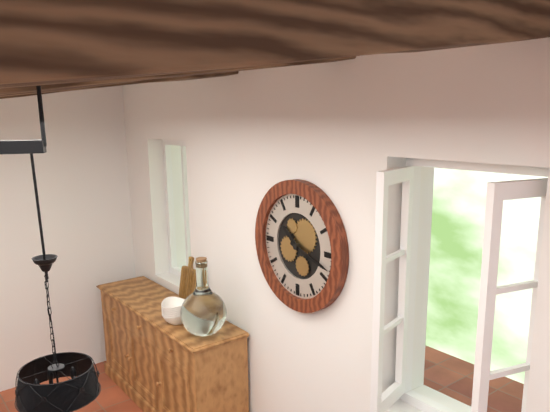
10.18
